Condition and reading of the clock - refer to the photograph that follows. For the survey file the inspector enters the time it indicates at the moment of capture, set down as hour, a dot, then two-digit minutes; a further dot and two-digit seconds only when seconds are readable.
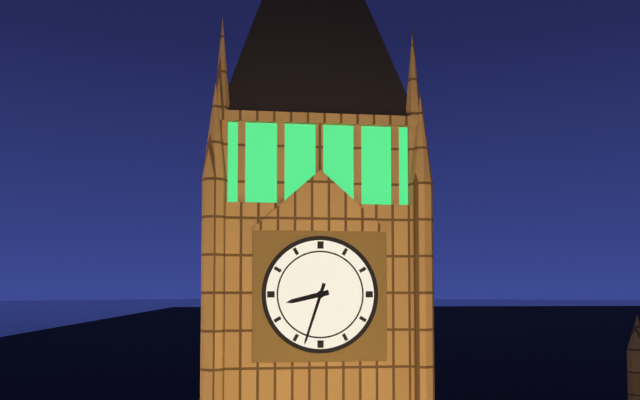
8.33
